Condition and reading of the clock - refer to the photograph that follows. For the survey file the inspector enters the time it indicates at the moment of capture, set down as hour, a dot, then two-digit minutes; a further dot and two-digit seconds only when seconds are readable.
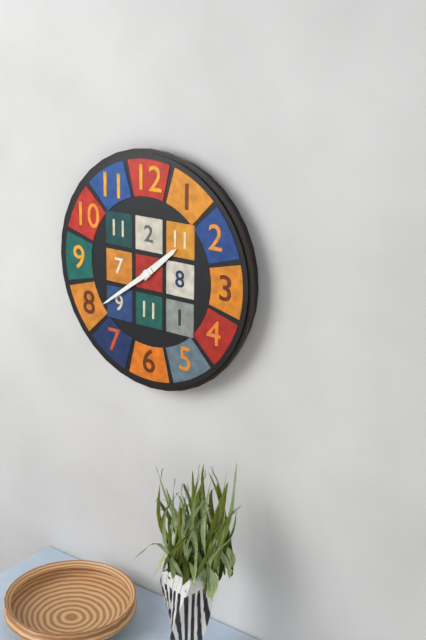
1.39
